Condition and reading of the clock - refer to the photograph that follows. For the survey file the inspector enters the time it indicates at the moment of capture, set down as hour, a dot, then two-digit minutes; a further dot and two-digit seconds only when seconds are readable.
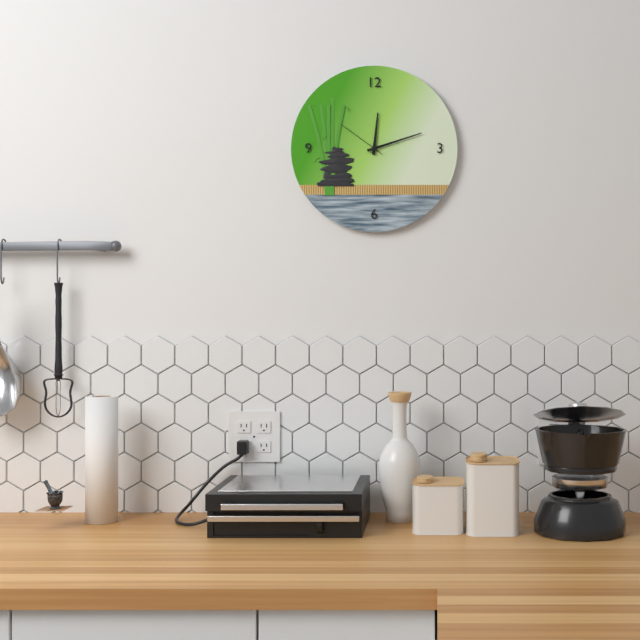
12.12.51
